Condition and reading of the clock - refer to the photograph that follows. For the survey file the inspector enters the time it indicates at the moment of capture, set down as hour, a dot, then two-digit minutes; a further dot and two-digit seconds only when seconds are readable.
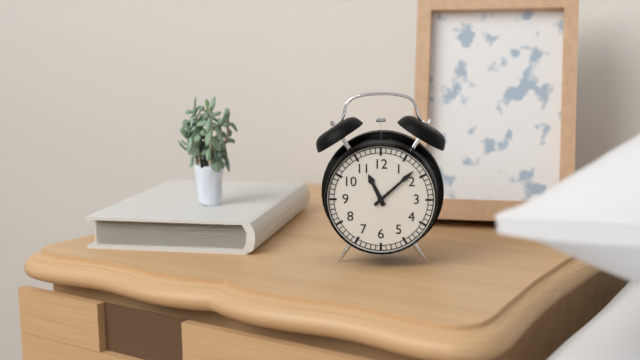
11.08
